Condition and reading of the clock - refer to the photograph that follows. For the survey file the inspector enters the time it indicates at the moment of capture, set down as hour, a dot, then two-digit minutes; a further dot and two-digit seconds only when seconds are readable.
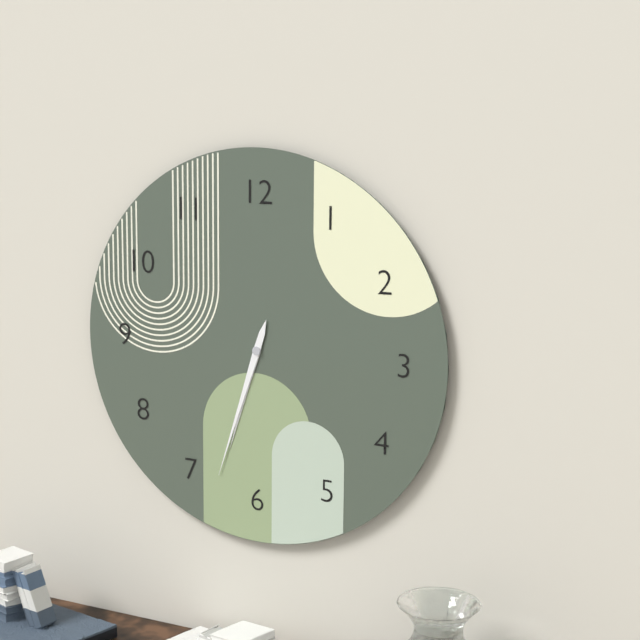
6.33
